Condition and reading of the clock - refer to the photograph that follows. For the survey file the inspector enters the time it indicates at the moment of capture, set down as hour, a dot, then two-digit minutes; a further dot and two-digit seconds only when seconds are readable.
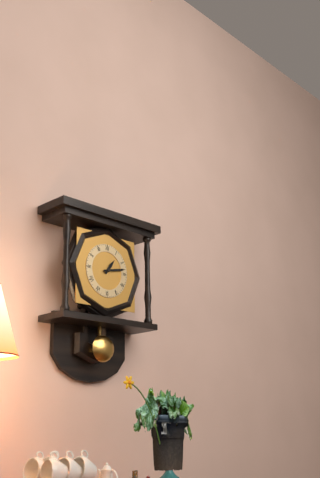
1.13
